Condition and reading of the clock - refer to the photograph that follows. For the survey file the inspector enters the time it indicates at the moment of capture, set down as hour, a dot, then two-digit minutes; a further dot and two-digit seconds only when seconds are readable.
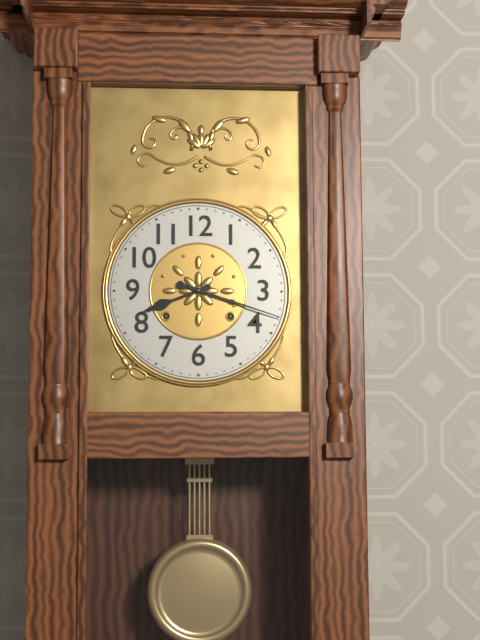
8.18
